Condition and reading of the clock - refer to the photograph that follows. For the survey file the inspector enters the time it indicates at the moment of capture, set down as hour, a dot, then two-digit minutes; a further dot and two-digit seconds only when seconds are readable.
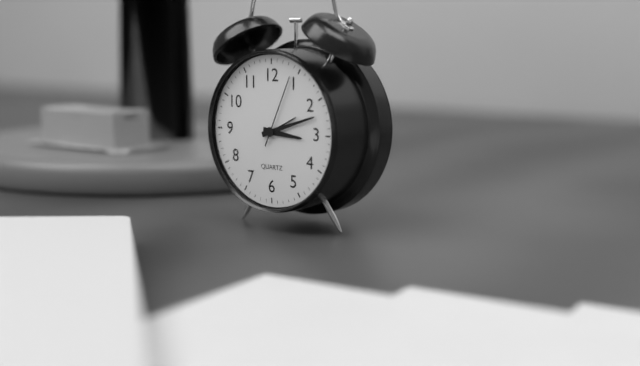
3.12.04
